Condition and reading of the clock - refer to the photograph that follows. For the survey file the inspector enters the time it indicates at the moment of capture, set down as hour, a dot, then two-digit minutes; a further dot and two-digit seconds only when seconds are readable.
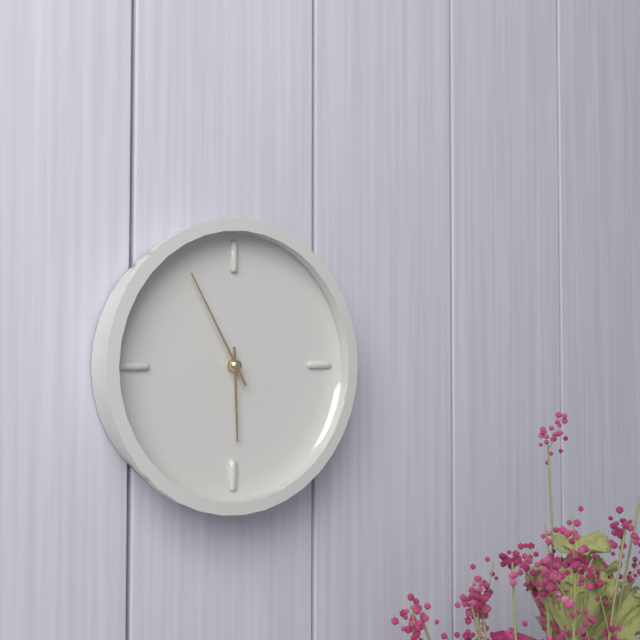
5.55
